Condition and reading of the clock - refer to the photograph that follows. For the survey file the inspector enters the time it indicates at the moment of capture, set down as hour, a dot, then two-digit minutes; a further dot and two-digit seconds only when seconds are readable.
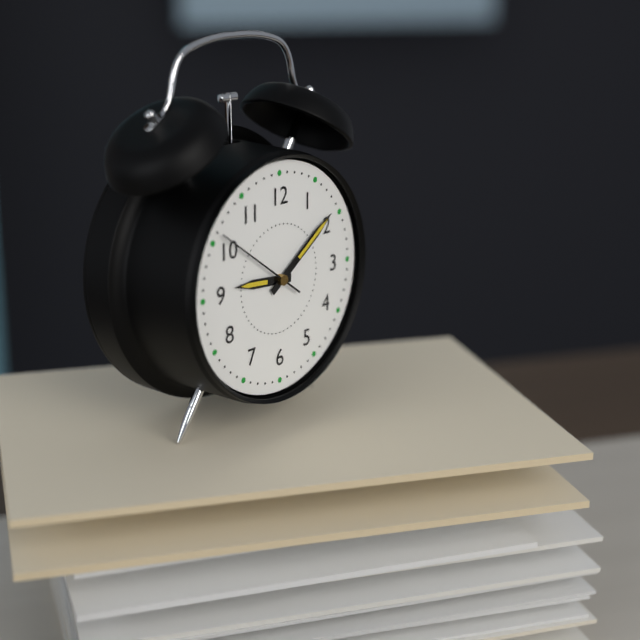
9.09.51
